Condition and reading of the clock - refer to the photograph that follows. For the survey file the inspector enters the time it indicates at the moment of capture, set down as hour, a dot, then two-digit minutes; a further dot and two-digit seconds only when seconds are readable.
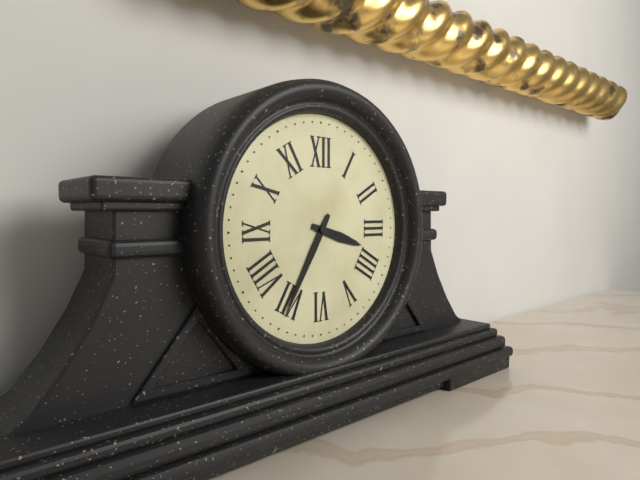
3.35
